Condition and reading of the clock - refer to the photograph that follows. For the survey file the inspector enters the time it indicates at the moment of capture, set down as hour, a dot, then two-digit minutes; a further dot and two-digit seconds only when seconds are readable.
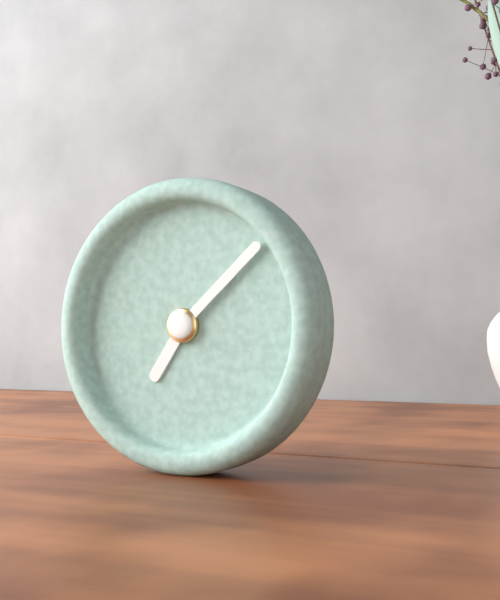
7.08
